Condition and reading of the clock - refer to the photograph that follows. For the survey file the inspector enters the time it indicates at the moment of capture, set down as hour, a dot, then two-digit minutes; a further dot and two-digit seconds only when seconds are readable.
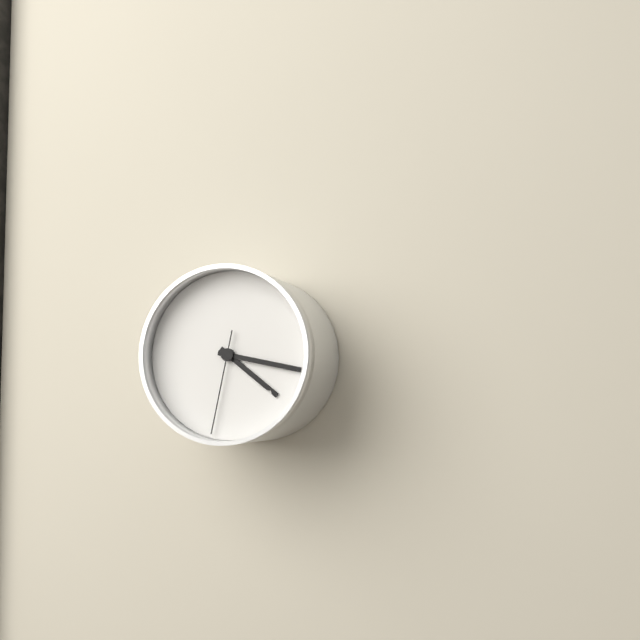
4.17.32
